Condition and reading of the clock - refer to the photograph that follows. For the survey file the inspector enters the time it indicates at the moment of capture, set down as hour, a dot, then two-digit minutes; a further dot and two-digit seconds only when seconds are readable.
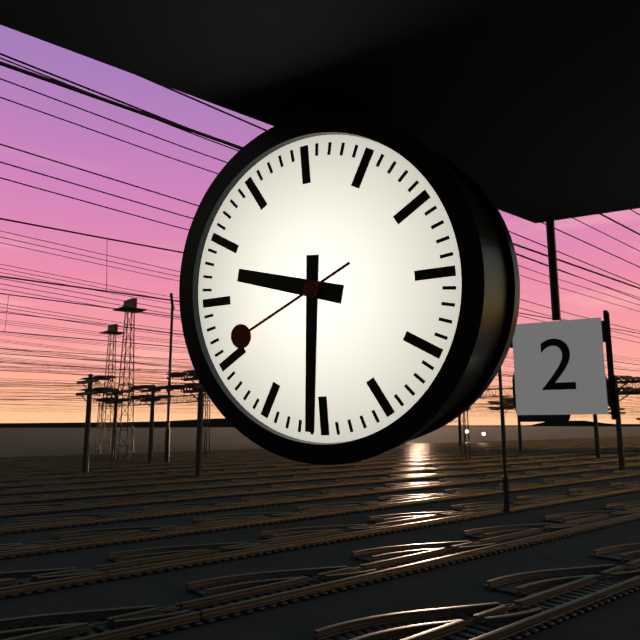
9.31.41
